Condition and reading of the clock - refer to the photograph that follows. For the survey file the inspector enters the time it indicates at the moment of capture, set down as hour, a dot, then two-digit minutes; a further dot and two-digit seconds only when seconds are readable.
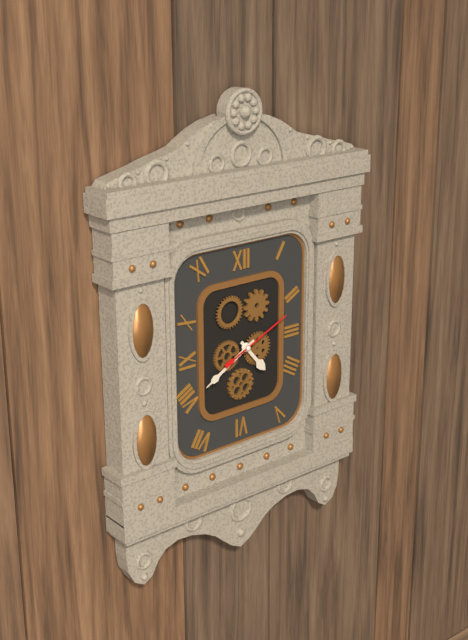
4.40.11
